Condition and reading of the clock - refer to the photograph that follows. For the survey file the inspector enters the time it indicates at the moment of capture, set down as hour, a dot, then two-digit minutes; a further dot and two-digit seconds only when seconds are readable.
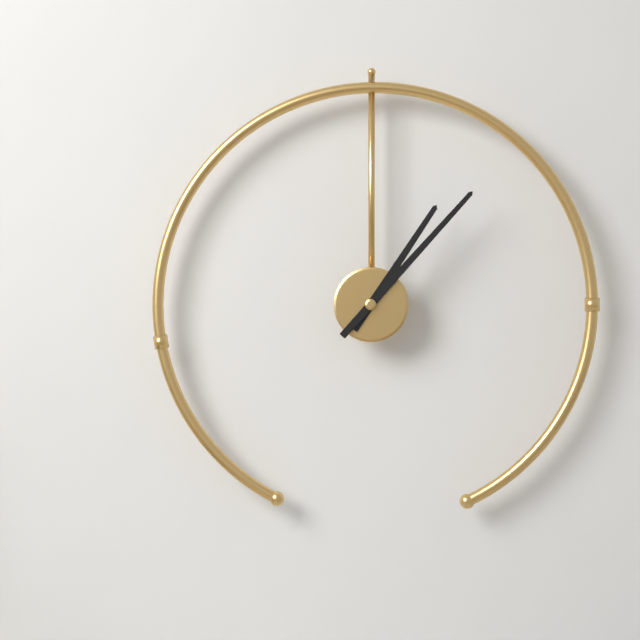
1.07
